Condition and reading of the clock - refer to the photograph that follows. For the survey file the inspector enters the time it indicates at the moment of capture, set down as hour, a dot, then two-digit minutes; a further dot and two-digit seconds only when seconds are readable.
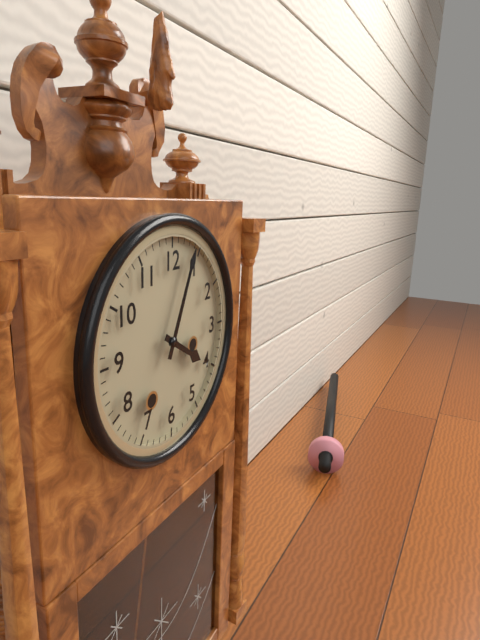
4.04
